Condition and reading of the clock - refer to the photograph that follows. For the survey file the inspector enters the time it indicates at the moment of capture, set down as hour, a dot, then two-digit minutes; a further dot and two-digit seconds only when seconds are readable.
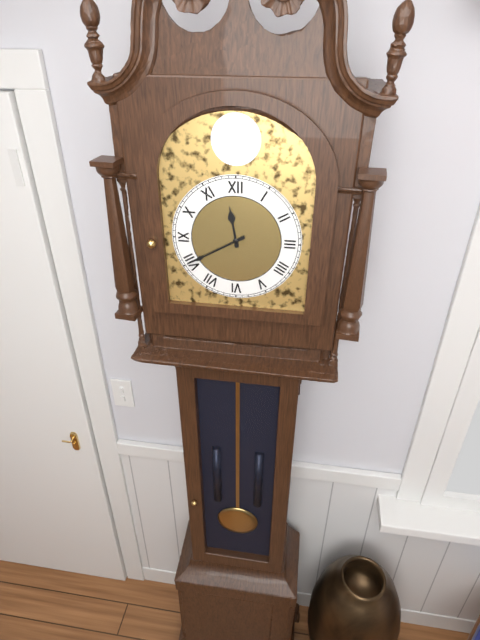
11.40
